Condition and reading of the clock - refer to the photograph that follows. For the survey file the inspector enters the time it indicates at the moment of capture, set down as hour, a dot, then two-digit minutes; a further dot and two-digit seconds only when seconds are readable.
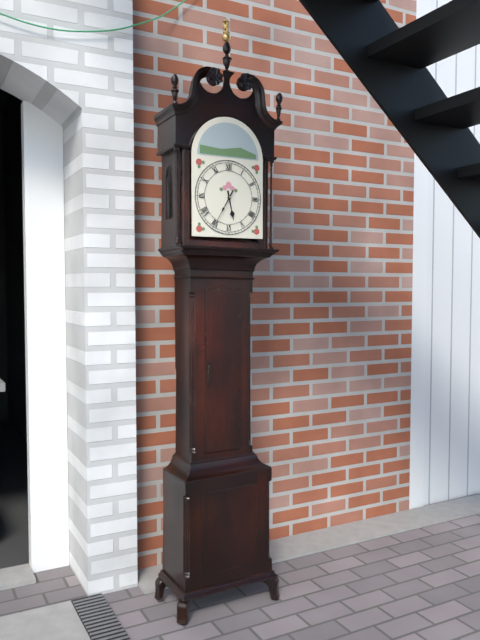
5.35
